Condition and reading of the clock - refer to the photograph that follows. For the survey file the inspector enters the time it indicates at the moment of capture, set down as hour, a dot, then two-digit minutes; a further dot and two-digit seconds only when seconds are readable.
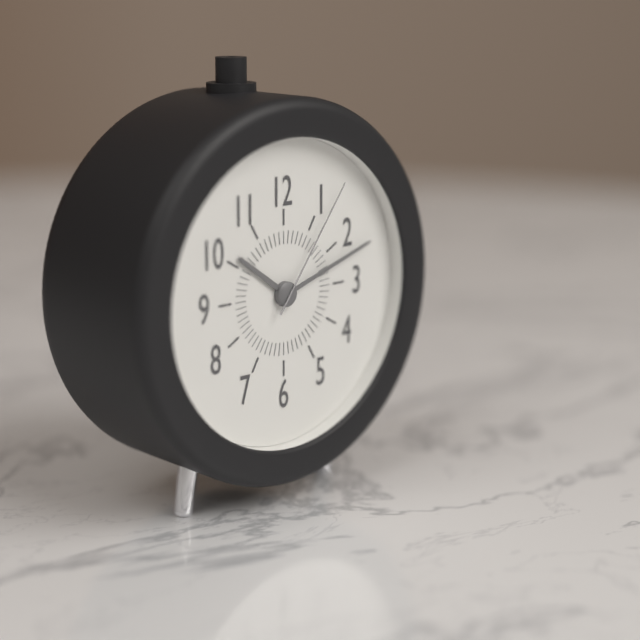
10.12.06
